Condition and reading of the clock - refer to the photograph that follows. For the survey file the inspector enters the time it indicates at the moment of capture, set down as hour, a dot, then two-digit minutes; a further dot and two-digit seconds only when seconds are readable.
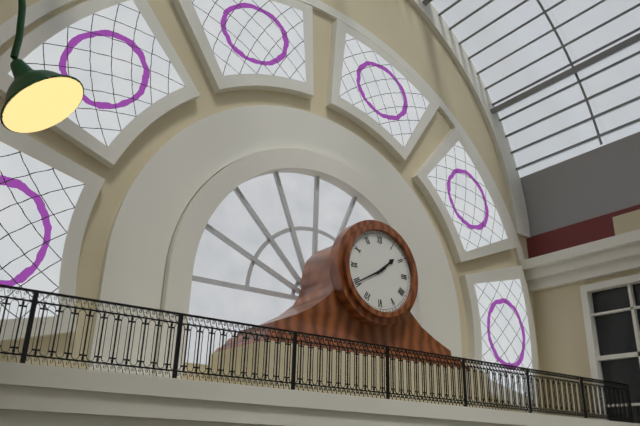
1.40
